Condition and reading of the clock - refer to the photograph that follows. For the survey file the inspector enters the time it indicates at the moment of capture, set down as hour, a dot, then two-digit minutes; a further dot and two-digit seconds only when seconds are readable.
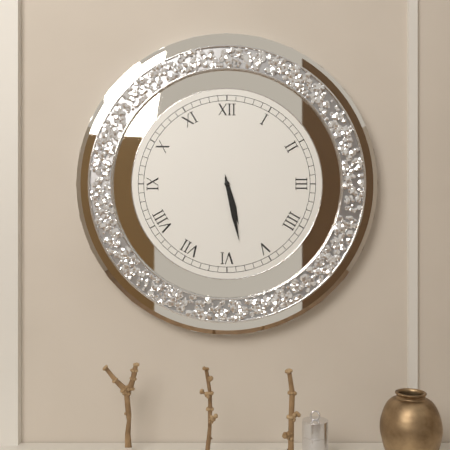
5.28
